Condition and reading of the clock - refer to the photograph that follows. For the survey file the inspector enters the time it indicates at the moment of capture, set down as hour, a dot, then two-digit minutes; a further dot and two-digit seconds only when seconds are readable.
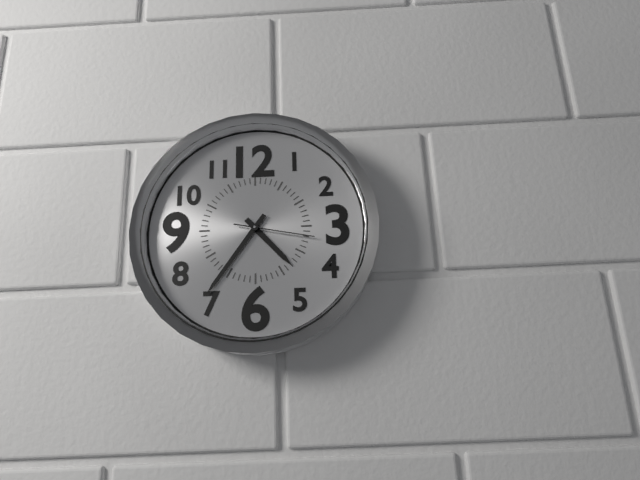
4.36.17
